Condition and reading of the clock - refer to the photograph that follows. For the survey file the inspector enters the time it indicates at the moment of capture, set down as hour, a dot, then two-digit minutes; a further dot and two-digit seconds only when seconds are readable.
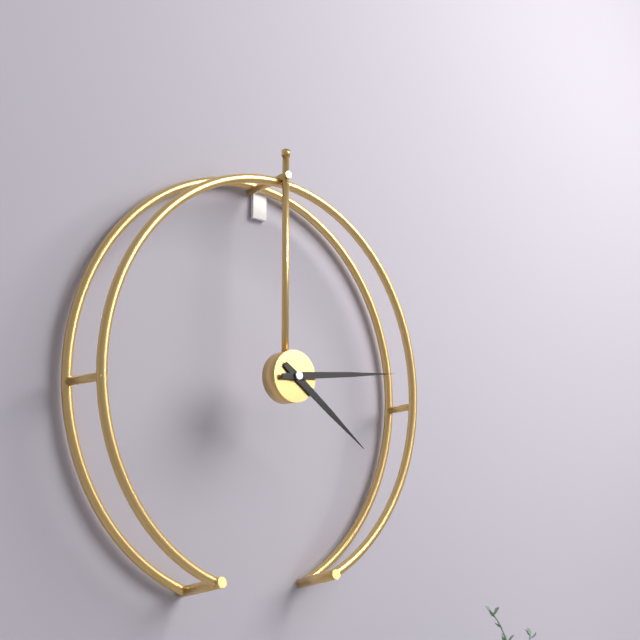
4.14
